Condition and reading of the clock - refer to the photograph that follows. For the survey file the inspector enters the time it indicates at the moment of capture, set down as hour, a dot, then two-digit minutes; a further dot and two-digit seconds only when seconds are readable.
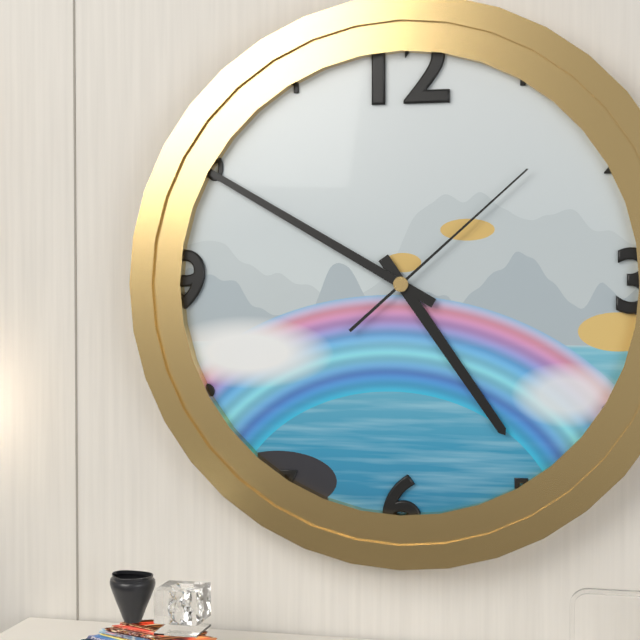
4.50.08
